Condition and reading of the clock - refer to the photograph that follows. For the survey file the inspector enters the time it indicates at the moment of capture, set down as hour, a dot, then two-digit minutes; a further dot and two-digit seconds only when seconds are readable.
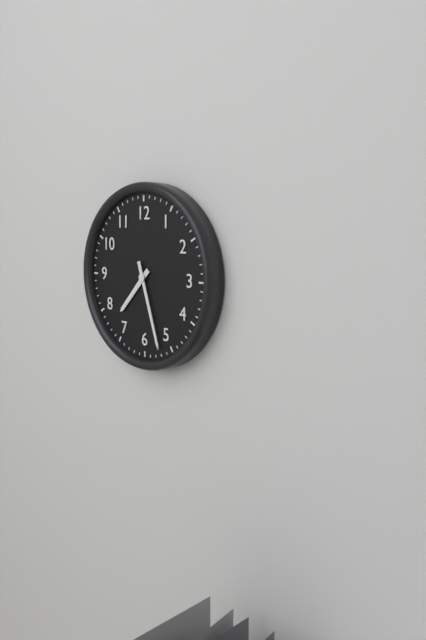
7.27
